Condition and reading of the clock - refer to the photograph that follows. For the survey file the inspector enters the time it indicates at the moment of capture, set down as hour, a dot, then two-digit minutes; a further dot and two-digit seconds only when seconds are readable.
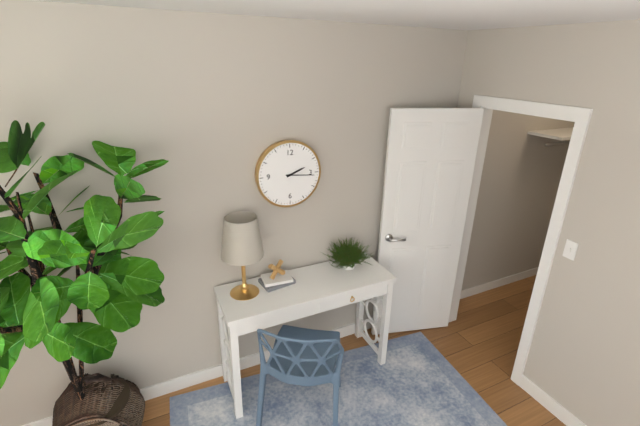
2.16
